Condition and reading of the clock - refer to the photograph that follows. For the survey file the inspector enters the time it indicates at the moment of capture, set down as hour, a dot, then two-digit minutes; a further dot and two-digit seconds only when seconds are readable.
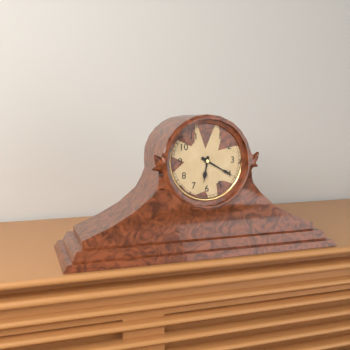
6.20
